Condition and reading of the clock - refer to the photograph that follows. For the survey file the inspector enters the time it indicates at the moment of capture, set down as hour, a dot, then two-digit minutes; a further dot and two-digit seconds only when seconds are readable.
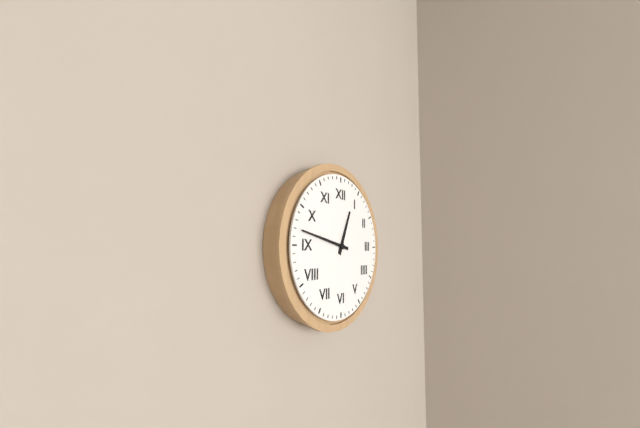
12.47
